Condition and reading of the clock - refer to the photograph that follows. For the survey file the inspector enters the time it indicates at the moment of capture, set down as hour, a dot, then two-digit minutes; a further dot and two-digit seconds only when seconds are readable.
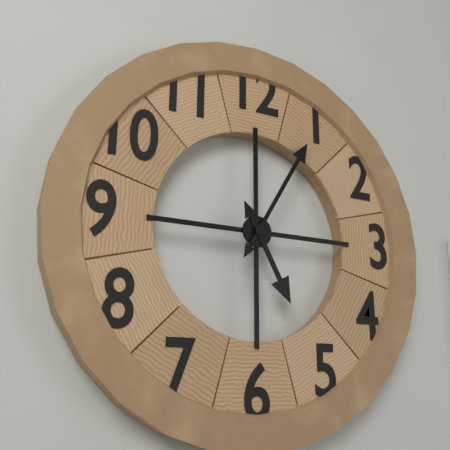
5.05
